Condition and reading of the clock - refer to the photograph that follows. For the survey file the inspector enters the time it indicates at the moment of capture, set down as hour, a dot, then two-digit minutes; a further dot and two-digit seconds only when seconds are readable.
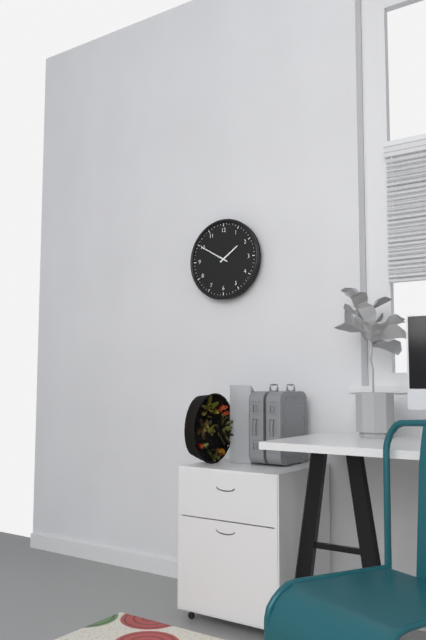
1.50
